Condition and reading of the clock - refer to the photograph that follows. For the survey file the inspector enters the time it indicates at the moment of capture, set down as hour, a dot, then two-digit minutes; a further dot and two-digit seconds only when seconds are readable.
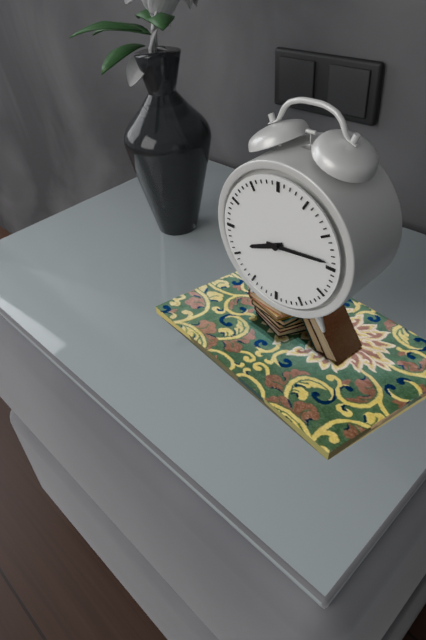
8.14
